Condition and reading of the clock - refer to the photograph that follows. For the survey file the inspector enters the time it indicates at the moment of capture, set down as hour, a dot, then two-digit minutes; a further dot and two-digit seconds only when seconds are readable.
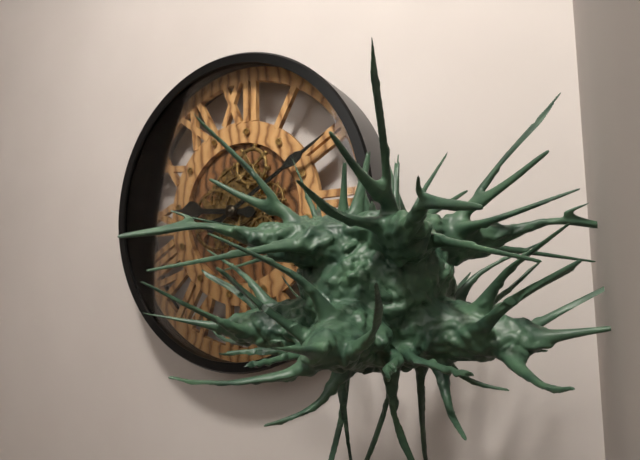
9.10
